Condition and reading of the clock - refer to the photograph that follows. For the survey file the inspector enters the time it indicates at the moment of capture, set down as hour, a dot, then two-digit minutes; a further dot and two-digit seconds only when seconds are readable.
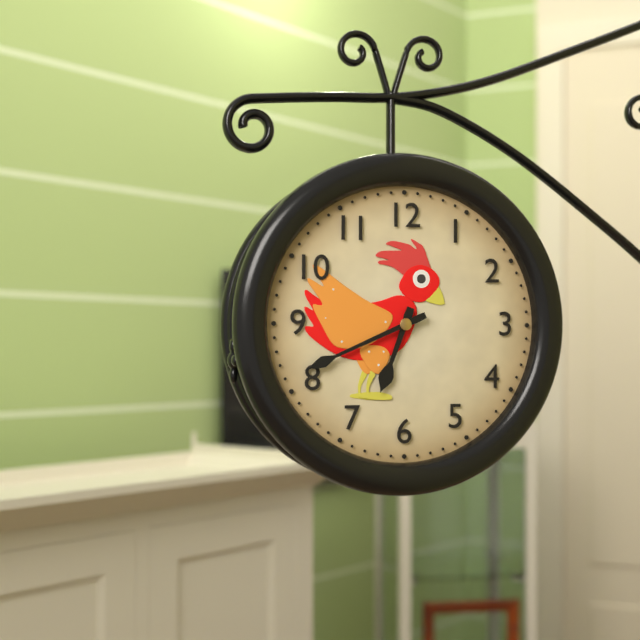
6.41
